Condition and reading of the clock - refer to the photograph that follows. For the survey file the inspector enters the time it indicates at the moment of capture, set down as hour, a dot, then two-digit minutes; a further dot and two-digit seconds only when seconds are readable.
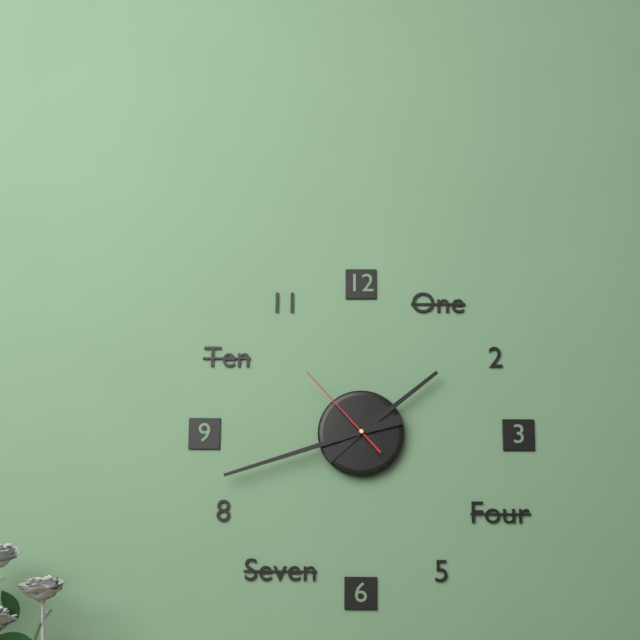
1.42.53
